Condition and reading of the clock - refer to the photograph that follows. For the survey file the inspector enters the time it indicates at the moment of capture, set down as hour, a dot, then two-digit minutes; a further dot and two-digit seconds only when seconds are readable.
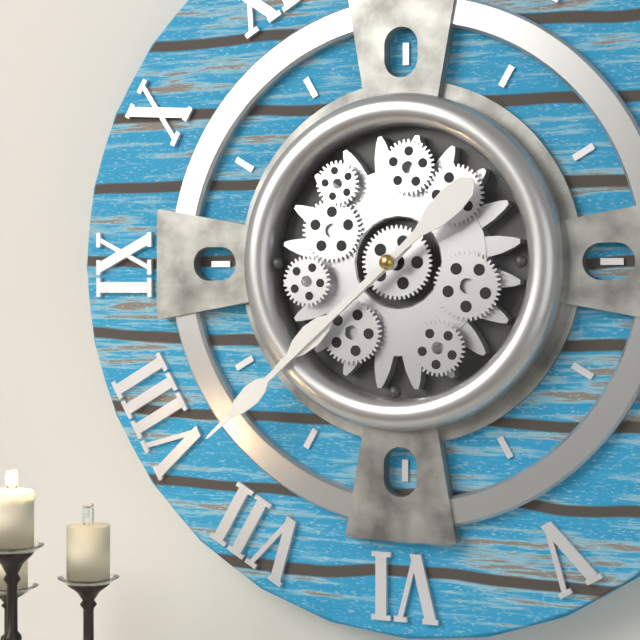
7.38
